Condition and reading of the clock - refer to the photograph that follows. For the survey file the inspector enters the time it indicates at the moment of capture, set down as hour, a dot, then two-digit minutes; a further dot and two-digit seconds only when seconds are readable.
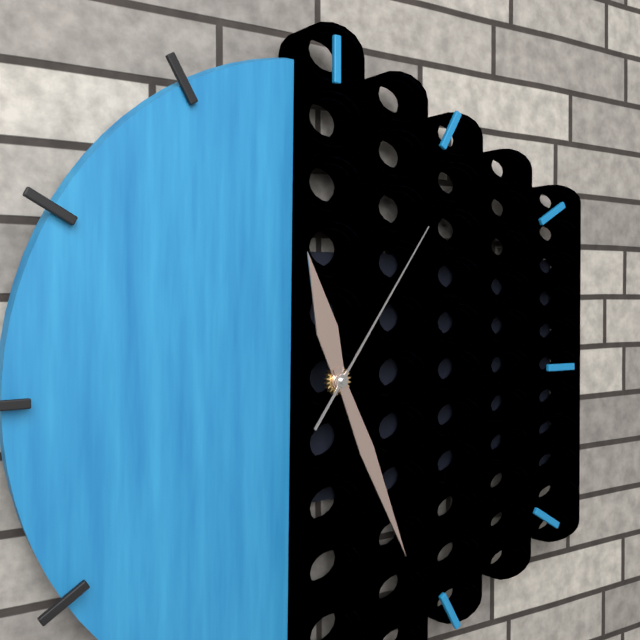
11.26.06
